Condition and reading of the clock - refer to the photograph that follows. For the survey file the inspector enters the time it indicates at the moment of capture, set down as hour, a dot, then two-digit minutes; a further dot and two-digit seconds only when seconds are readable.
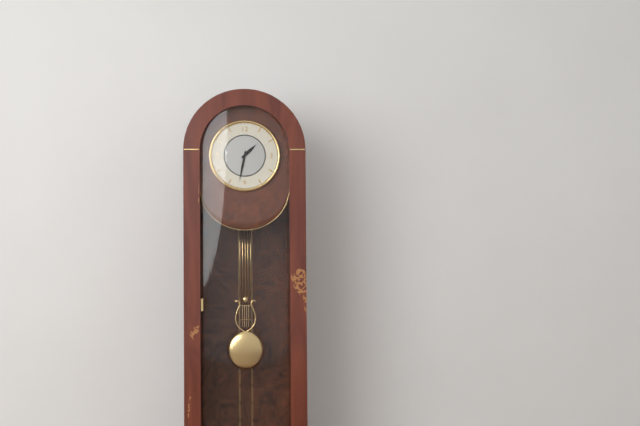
1.32
